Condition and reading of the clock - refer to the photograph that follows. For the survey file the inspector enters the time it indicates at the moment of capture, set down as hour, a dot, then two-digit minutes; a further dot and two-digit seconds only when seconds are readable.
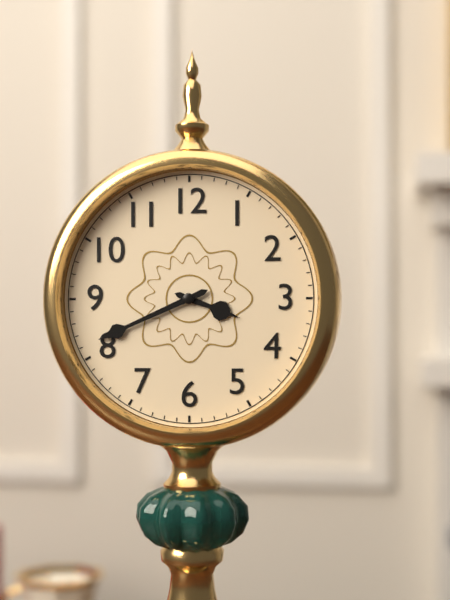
3.41
